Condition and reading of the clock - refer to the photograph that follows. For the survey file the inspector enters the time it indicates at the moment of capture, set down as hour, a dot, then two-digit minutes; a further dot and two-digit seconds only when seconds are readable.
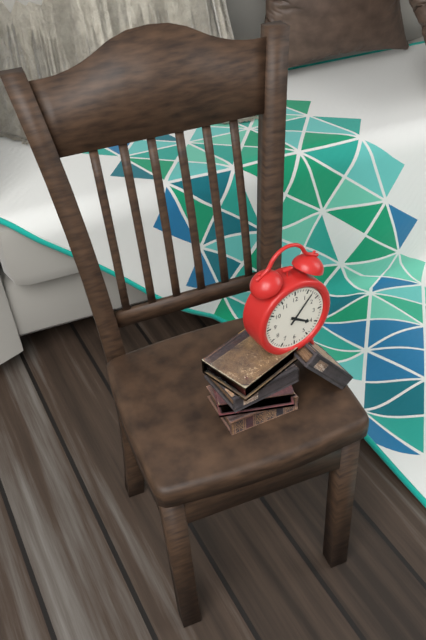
4.07
